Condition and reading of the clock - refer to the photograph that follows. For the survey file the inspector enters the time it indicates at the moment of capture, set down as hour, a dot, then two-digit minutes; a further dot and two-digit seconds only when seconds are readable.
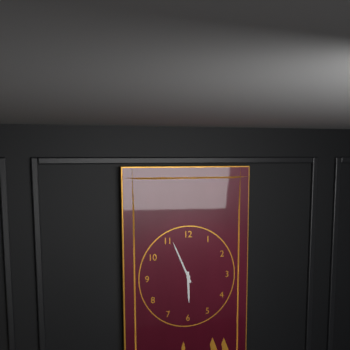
5.56
